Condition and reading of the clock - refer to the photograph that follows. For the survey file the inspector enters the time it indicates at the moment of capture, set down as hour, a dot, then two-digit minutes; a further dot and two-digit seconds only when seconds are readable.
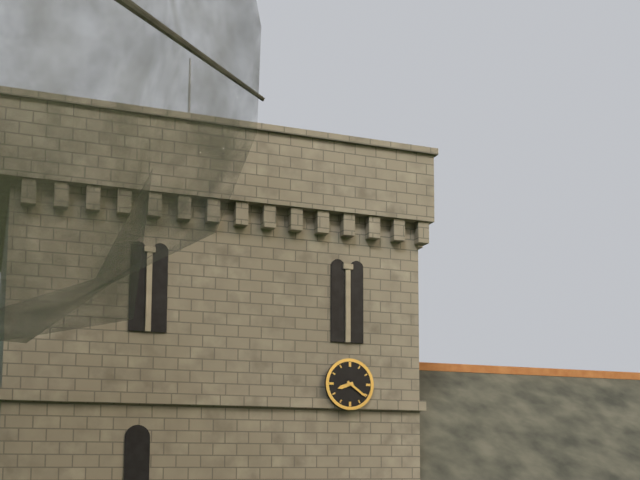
8.21
